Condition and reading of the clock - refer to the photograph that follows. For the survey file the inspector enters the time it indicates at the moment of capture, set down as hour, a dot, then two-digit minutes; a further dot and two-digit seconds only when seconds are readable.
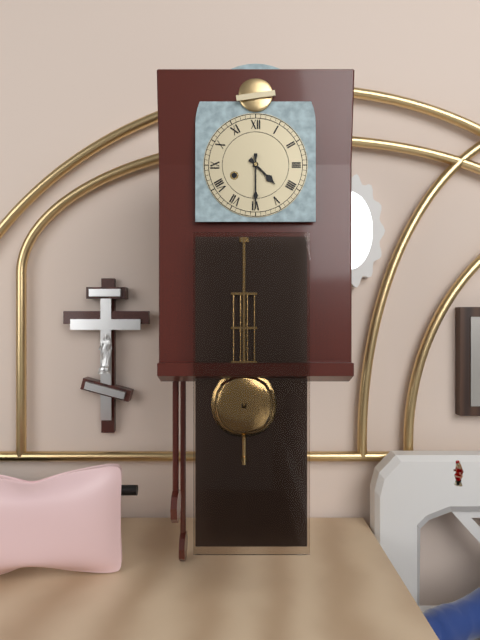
4.30
